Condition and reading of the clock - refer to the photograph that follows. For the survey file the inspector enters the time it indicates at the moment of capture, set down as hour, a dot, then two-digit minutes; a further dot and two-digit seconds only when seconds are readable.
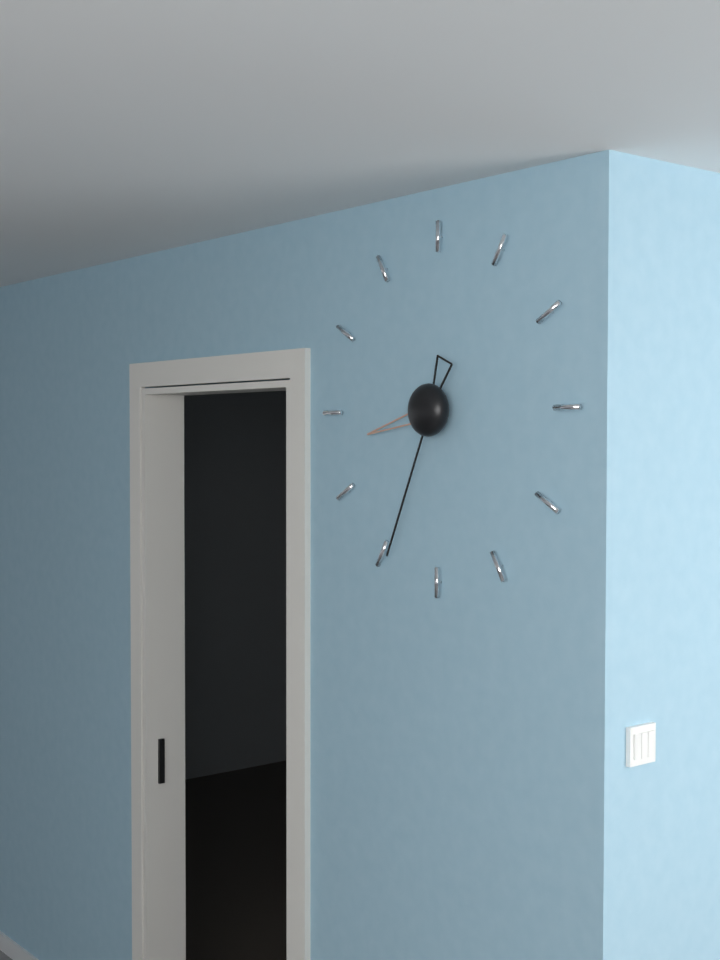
8.34
